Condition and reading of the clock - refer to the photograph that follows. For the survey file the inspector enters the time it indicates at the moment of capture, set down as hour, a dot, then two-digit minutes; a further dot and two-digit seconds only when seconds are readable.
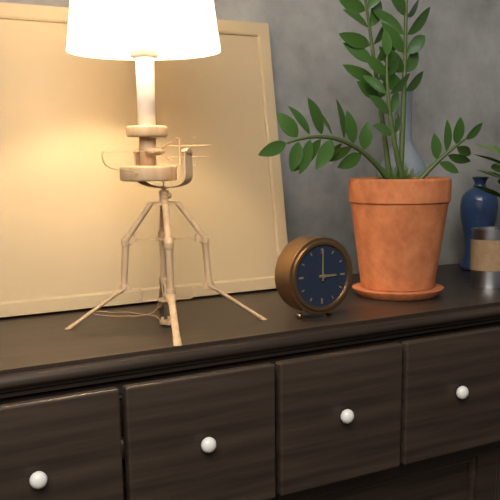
3.00
